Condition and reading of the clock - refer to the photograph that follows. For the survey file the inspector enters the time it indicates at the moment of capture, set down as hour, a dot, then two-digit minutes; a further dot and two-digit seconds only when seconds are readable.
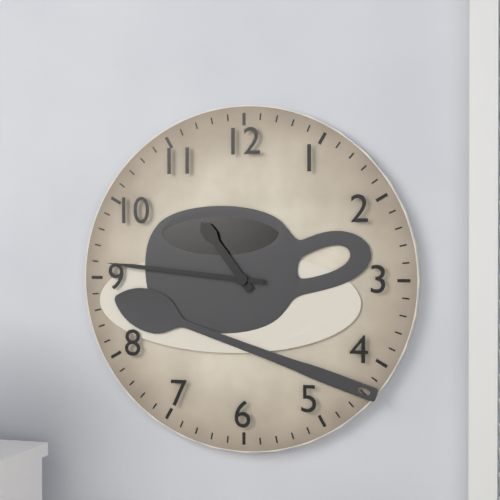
10.46
